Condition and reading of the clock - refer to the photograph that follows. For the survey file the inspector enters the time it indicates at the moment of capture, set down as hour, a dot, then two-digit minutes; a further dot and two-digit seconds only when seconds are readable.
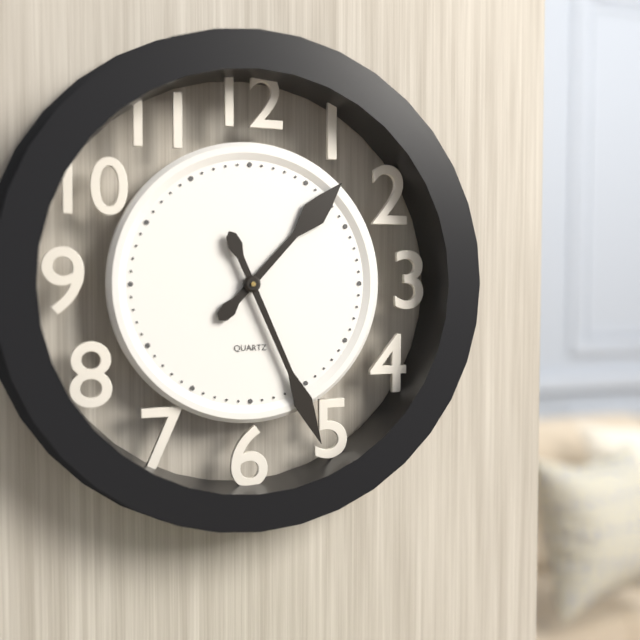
1.26
